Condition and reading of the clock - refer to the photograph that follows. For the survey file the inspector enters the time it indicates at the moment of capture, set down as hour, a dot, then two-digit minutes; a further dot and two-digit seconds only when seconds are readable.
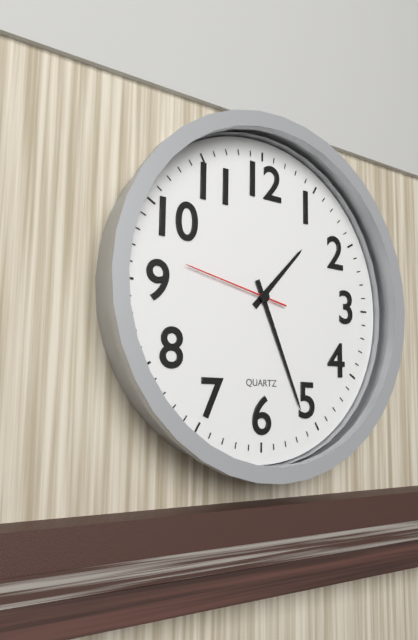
1.26.47
